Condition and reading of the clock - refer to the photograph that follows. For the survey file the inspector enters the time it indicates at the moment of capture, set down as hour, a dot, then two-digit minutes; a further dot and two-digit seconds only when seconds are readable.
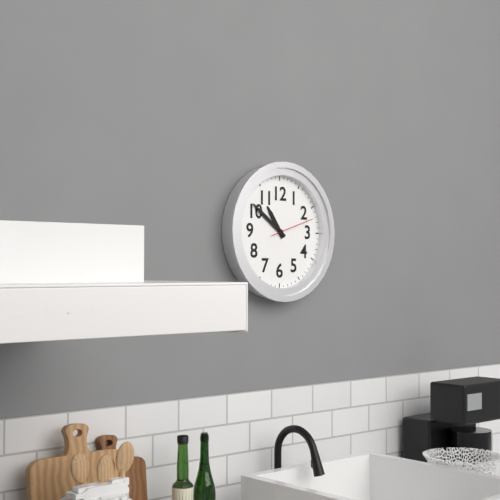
10.51
